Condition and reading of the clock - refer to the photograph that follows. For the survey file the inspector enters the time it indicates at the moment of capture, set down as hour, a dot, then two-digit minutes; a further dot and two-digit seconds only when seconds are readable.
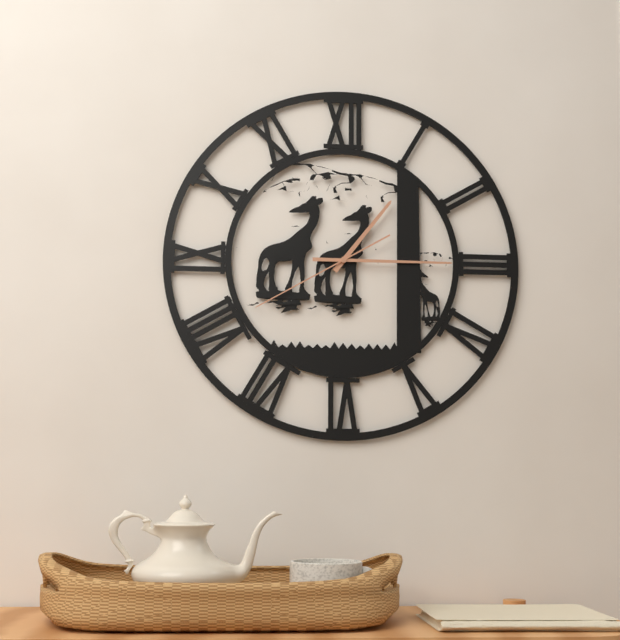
1.15.40
